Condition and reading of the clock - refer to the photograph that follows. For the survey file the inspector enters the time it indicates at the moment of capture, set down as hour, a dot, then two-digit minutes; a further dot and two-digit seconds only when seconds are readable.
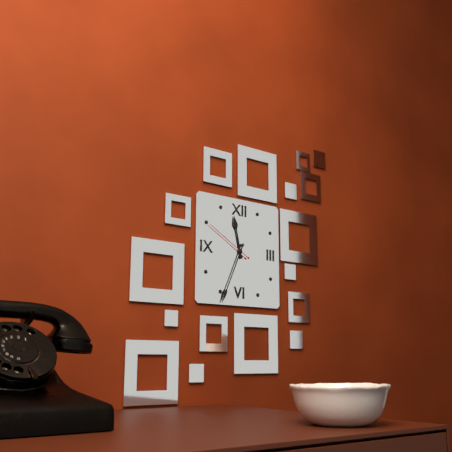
11.34.50
